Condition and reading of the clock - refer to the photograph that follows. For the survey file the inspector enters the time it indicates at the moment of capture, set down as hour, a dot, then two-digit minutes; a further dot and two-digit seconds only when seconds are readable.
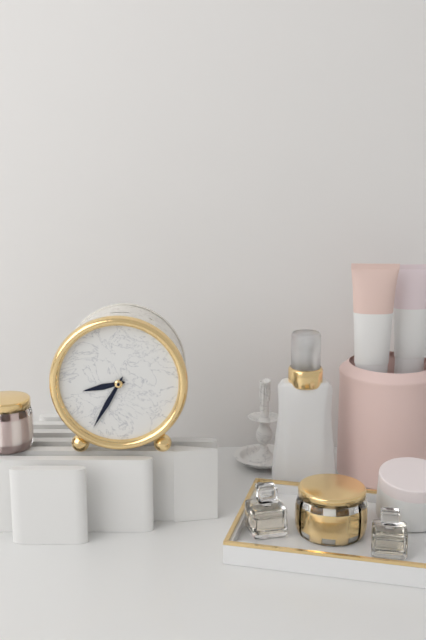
8.35
